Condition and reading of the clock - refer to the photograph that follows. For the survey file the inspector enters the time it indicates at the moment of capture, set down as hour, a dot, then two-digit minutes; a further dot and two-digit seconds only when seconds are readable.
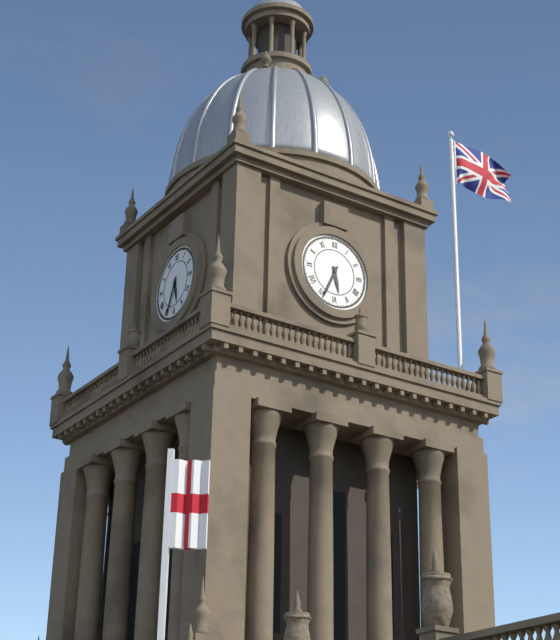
5.34
